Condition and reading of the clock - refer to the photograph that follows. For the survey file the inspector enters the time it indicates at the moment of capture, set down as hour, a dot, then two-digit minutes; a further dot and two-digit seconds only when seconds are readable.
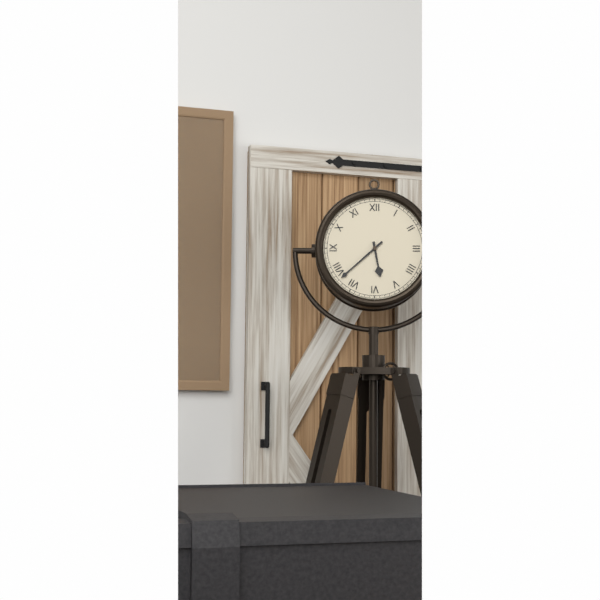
5.38
